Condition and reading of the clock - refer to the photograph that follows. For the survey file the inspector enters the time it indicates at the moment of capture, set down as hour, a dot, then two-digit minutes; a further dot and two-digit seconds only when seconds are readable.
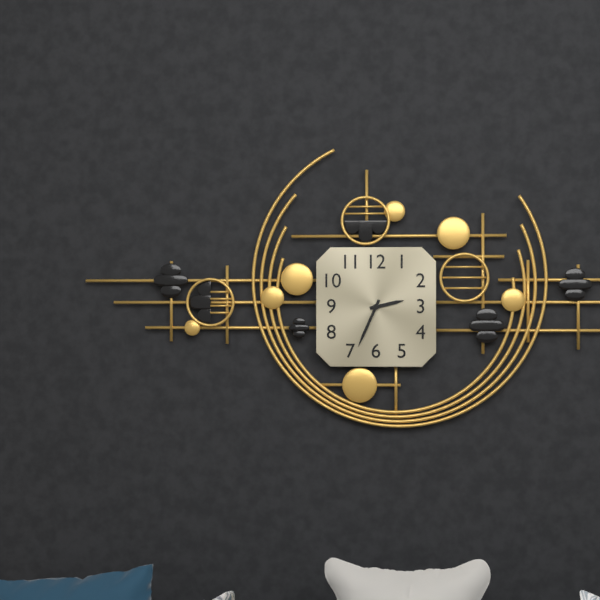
2.34
